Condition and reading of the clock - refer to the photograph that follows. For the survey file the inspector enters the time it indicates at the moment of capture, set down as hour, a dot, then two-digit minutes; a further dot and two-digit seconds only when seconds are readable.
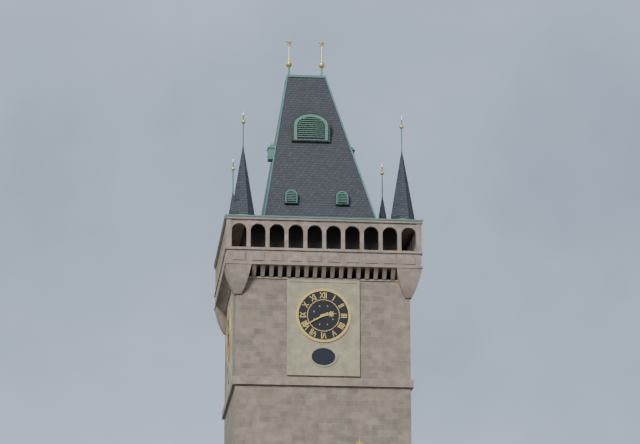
2.40
